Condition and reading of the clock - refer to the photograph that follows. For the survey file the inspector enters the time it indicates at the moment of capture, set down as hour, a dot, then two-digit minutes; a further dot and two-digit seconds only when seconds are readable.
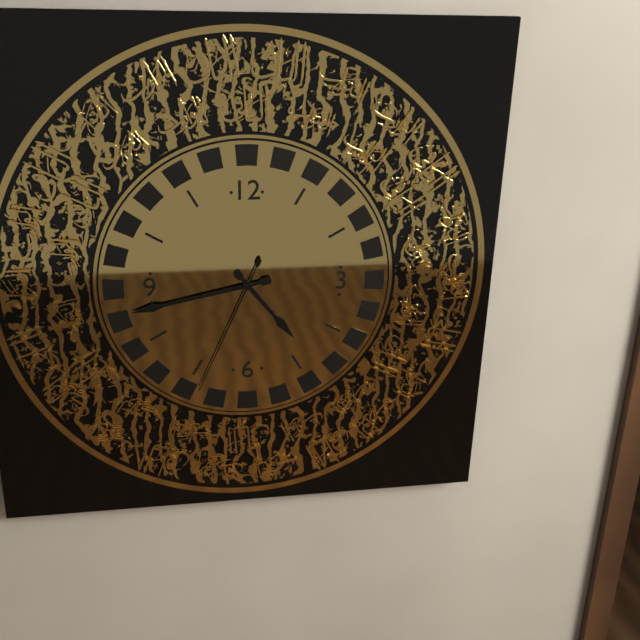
4.43.34
